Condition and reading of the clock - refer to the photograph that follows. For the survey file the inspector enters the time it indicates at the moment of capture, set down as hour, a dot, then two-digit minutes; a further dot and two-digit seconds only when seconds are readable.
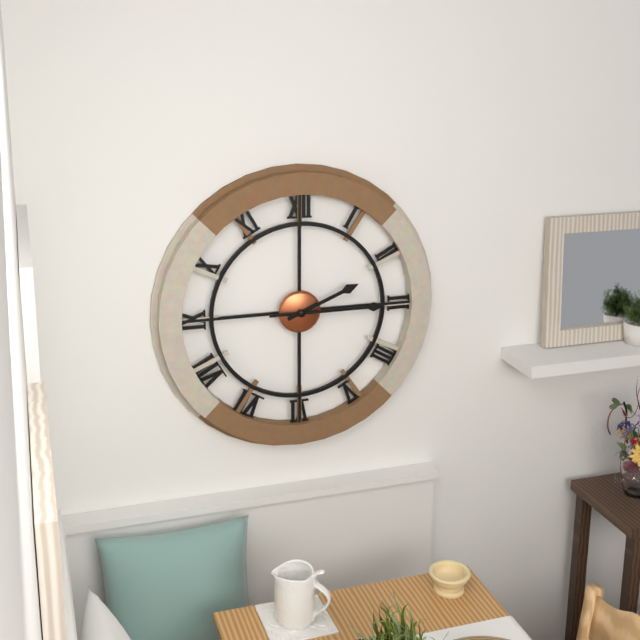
2.15
